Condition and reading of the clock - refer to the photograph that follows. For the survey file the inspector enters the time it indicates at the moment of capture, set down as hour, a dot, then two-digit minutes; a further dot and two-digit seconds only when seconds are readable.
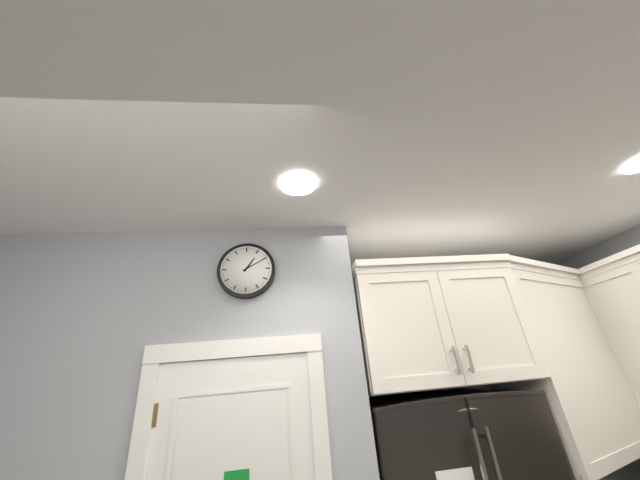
1.10
